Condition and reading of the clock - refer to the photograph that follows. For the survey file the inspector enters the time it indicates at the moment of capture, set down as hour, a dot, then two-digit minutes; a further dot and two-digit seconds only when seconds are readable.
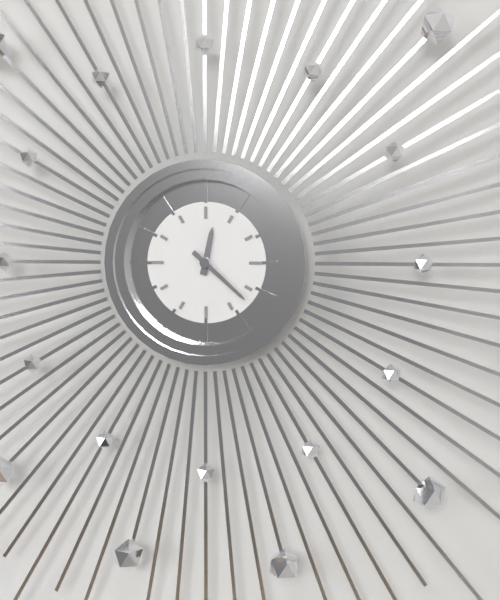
12.22
